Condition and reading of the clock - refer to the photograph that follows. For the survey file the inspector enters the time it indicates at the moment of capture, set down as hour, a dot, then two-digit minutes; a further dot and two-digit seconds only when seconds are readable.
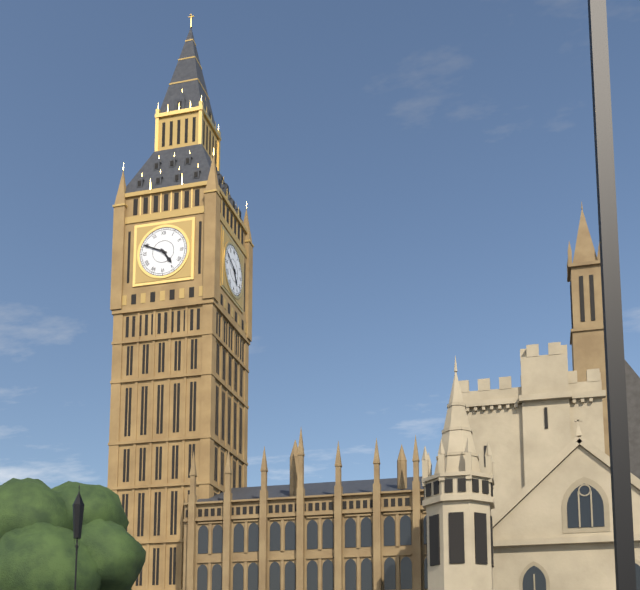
4.49
